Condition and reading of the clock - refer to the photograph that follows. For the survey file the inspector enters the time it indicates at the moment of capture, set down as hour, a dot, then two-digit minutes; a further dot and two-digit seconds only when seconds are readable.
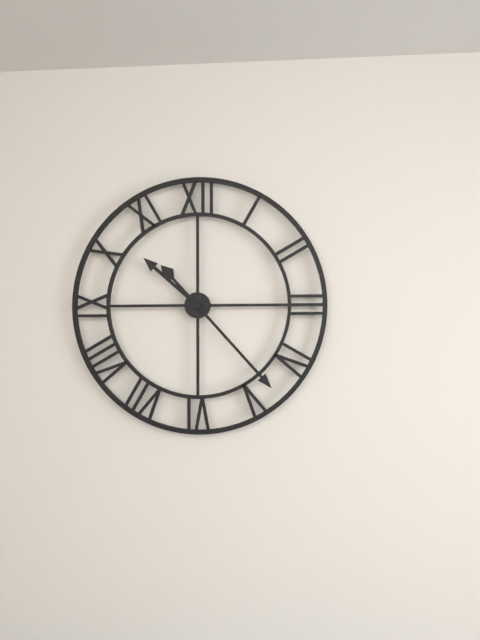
10.23
